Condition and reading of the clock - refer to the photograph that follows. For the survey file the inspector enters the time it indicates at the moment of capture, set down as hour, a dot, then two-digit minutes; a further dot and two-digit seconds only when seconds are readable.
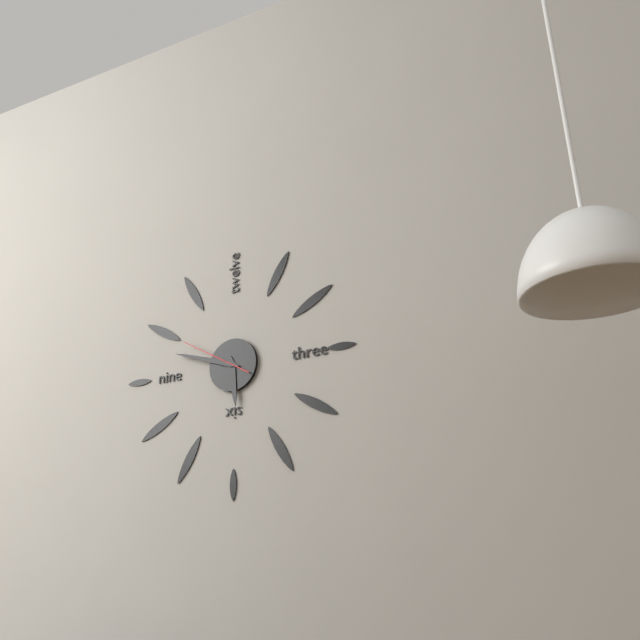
5.48.50
